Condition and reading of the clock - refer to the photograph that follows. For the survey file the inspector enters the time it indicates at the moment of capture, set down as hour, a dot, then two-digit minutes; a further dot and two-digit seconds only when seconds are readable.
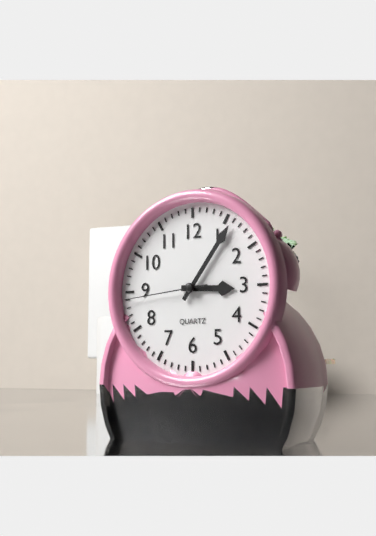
3.06.44
